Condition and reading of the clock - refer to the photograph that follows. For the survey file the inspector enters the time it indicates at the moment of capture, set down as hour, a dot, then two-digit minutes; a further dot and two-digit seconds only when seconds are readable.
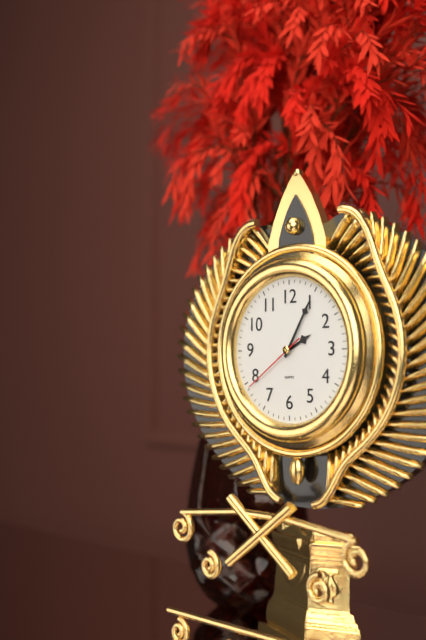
2.05.39
